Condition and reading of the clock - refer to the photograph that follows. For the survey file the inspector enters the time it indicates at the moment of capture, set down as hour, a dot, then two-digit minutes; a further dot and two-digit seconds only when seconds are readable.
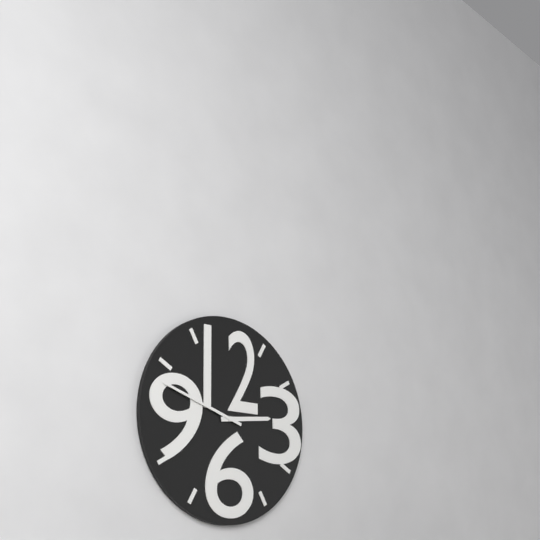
2.48
